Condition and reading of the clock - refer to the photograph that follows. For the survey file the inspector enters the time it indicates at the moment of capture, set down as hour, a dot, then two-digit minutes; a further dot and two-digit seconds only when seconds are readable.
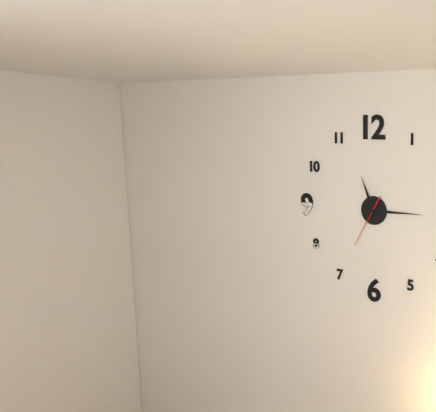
11.15
